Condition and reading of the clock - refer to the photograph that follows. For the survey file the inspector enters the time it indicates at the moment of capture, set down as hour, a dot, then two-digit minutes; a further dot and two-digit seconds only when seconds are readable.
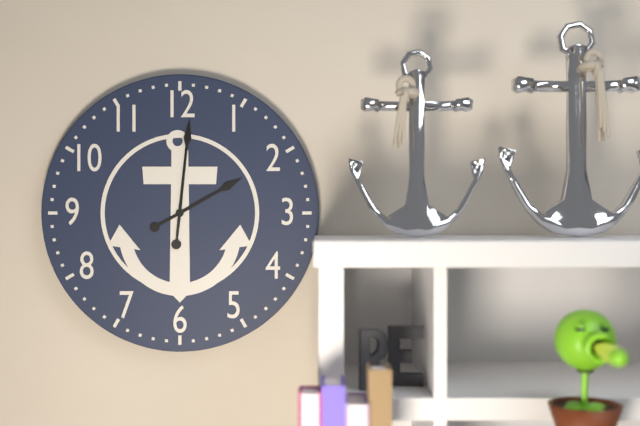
2.01
